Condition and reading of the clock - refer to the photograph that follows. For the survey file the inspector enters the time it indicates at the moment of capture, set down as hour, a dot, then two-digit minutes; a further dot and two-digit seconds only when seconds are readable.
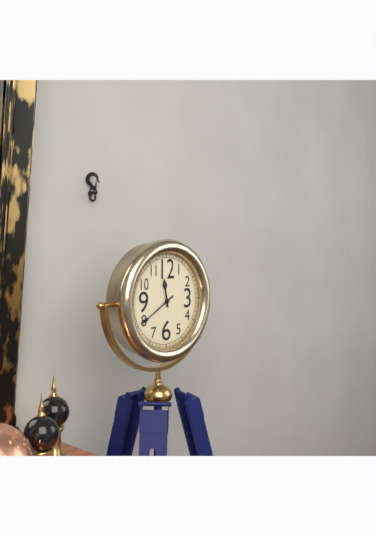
11.40
